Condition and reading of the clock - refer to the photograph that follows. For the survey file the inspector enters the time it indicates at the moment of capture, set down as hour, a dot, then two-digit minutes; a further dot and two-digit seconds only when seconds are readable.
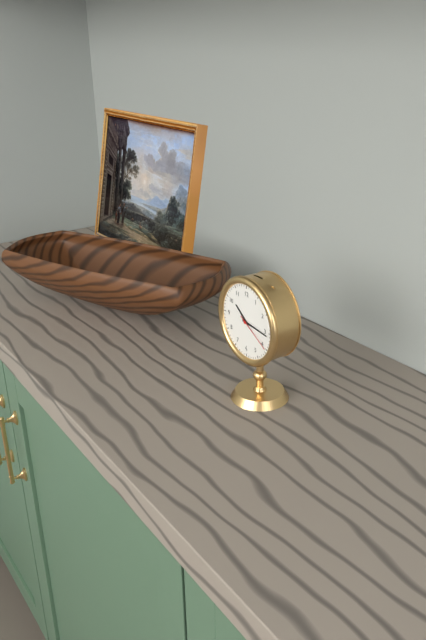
10.16
